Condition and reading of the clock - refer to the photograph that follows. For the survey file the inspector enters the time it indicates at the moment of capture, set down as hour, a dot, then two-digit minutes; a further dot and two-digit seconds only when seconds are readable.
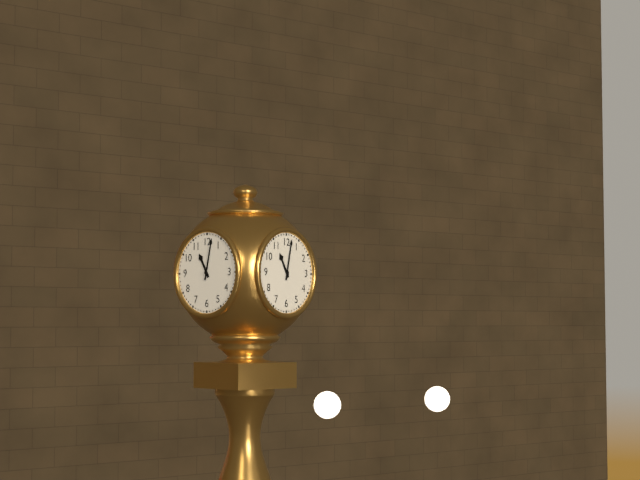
11.02
